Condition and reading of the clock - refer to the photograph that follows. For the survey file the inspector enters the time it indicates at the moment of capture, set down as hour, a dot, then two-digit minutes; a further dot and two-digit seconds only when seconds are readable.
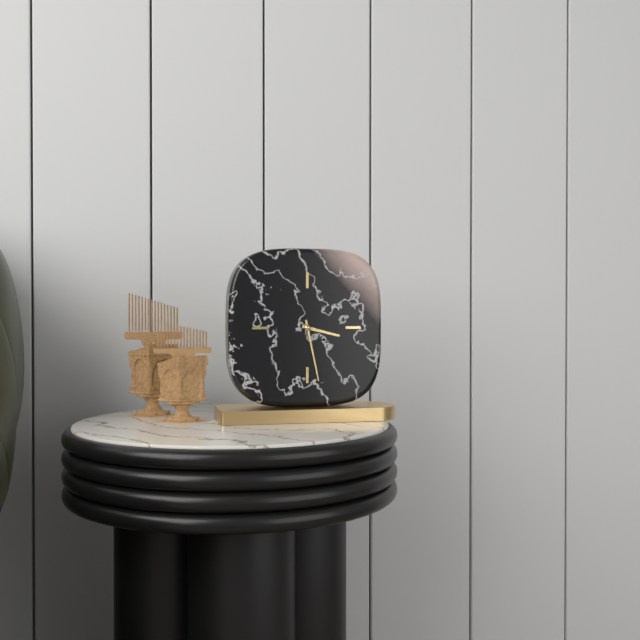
3.28
